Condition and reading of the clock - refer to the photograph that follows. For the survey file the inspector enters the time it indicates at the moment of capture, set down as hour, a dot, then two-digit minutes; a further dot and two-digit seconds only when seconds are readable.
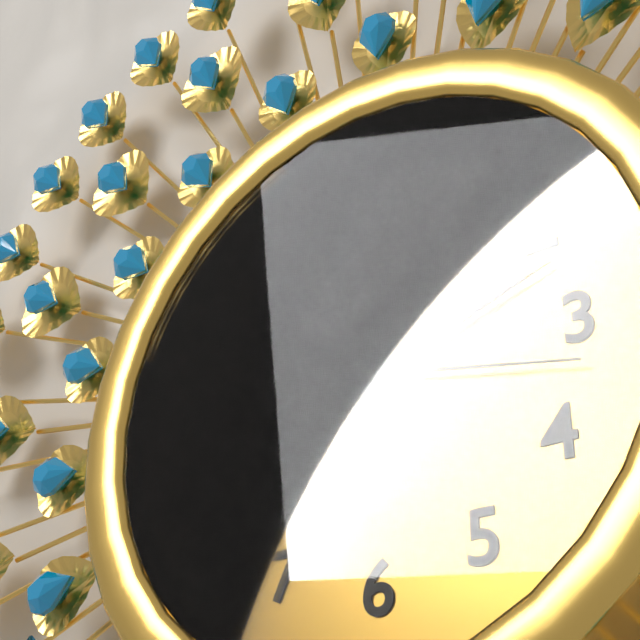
12.12.17
